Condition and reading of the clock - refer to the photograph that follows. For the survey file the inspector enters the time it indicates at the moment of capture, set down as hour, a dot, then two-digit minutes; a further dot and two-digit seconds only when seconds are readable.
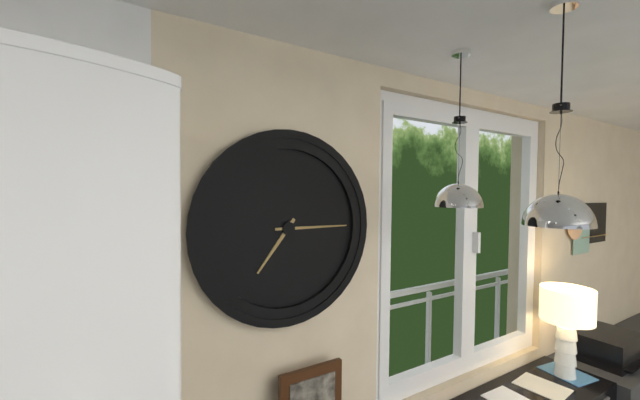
7.15
